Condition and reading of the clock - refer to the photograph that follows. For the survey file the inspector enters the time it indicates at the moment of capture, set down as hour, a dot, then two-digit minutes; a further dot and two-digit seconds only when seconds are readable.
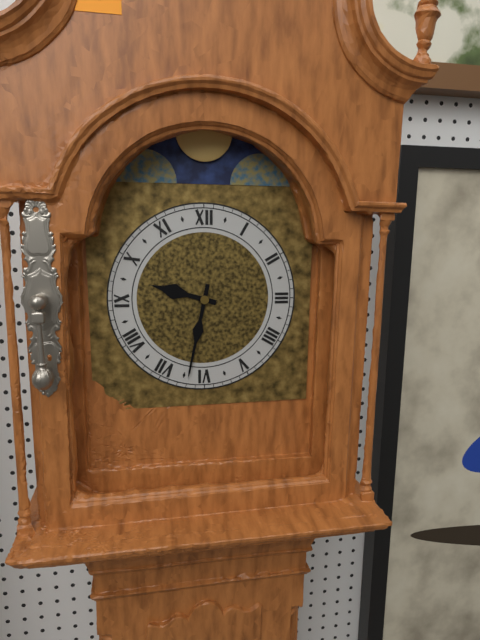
9.32
